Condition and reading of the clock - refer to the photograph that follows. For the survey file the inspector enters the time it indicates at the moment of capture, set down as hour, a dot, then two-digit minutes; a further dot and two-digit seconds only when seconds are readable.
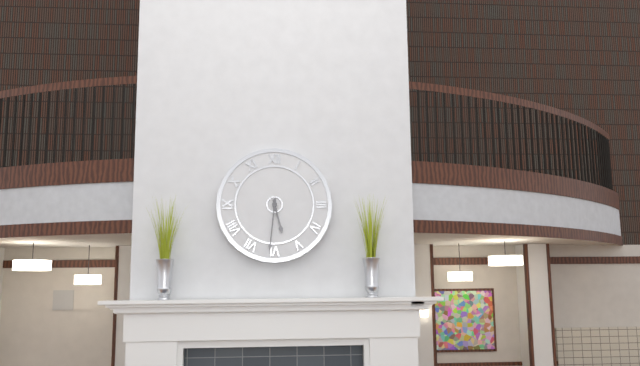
5.31
